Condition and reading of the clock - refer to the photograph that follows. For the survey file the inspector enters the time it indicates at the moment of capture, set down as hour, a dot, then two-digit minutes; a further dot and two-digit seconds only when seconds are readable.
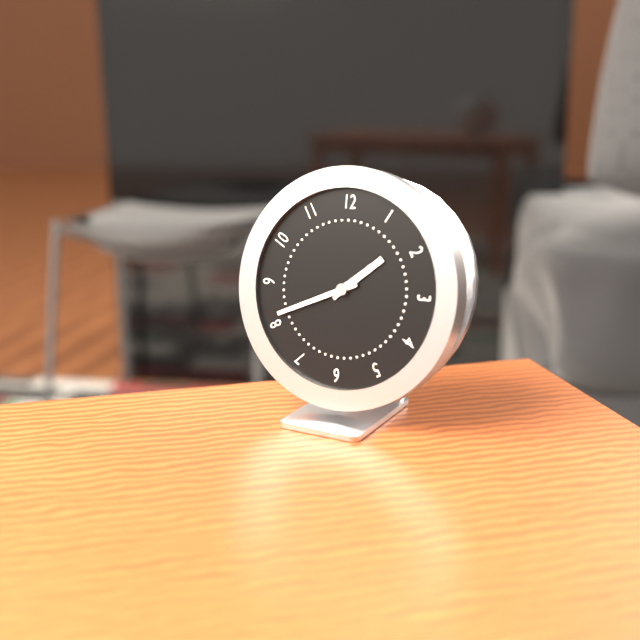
1.41
